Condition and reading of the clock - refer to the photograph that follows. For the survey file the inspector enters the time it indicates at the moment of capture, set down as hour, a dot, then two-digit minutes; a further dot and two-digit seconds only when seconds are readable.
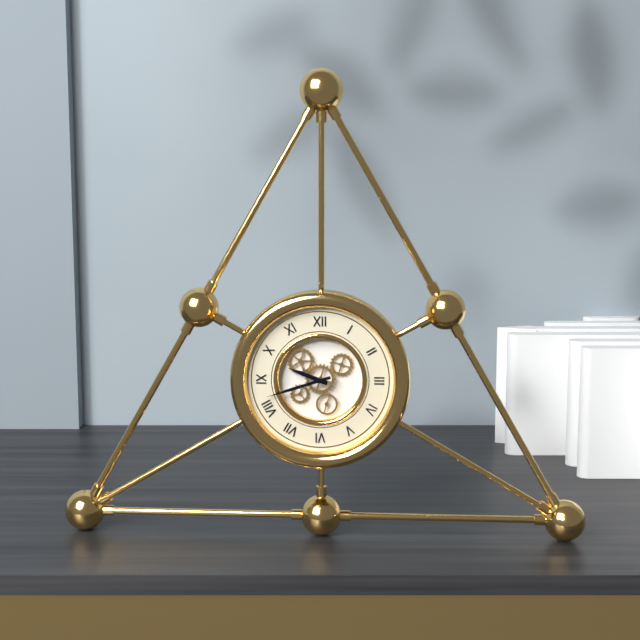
9.42
